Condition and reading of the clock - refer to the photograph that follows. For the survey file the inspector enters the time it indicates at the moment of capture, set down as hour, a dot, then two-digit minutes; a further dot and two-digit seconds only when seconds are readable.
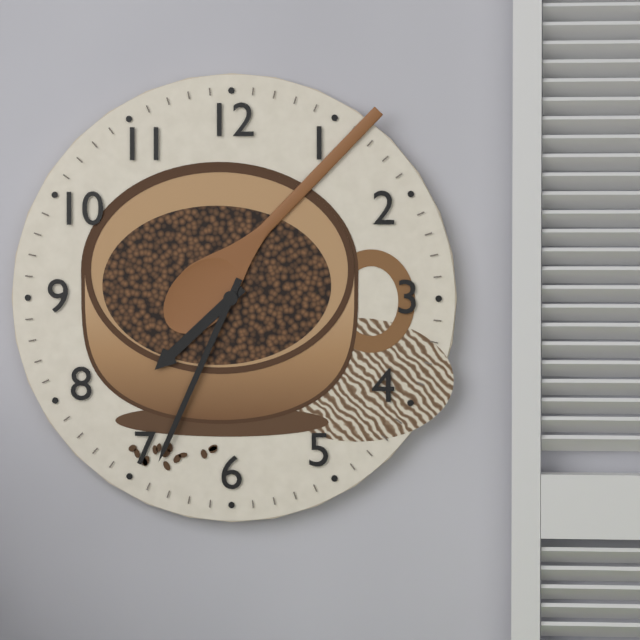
7.34
